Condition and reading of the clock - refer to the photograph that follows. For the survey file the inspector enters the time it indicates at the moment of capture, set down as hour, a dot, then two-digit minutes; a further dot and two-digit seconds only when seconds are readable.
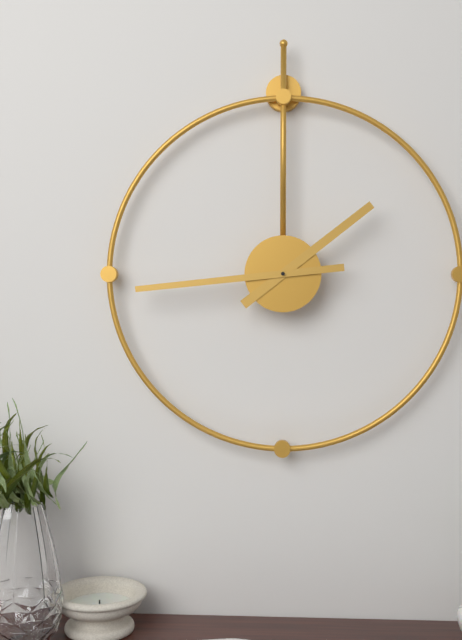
1.44
